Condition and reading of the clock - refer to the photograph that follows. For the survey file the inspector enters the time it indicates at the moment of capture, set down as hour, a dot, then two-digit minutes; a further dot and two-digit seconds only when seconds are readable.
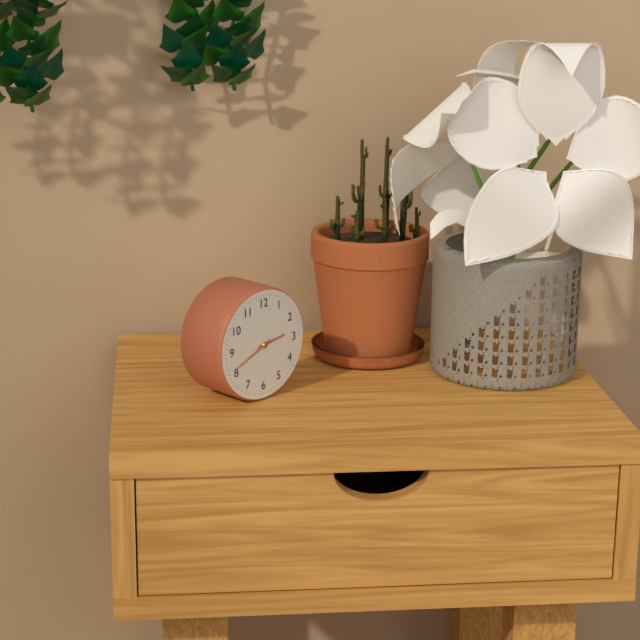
2.41
